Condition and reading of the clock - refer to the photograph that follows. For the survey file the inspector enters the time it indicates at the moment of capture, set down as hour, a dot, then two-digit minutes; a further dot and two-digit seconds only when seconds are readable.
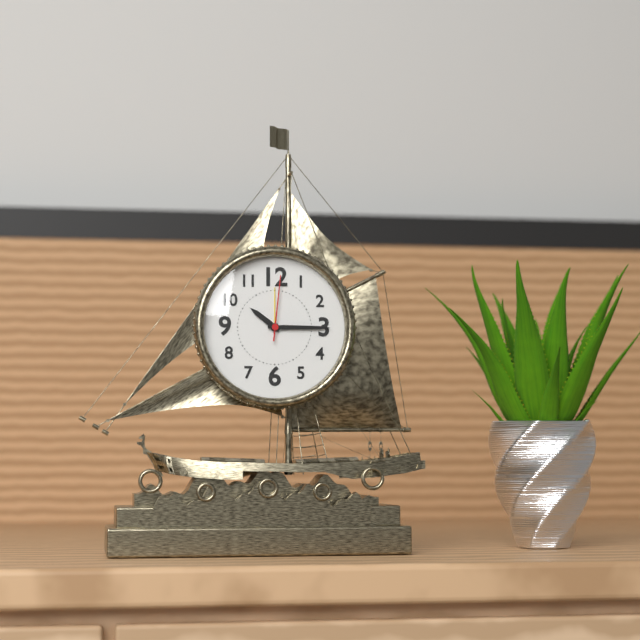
10.15.01
